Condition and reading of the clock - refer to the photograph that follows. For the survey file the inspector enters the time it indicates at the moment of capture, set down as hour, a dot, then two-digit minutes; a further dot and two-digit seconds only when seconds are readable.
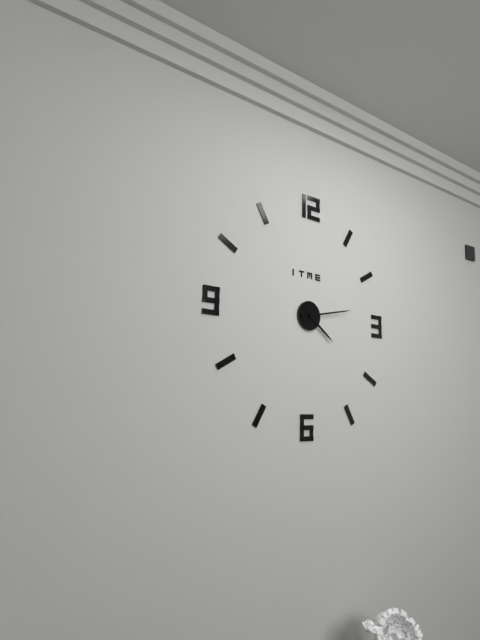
4.13
